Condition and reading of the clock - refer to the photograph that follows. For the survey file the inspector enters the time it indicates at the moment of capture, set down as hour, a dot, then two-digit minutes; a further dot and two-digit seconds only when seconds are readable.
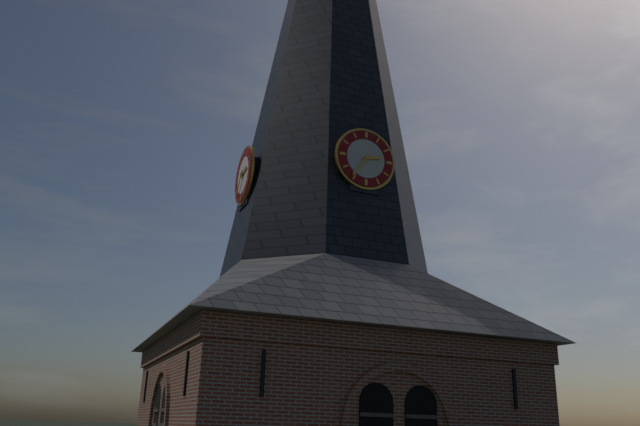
2.36
